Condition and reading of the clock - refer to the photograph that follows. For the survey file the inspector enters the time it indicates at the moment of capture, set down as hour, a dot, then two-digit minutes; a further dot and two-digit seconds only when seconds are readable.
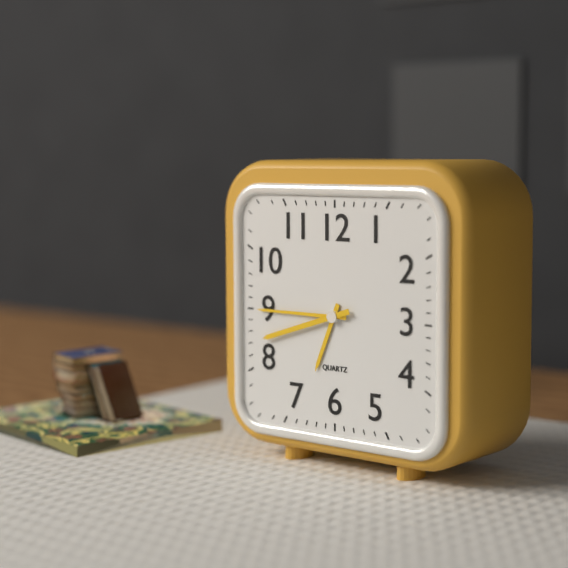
6.45.42
